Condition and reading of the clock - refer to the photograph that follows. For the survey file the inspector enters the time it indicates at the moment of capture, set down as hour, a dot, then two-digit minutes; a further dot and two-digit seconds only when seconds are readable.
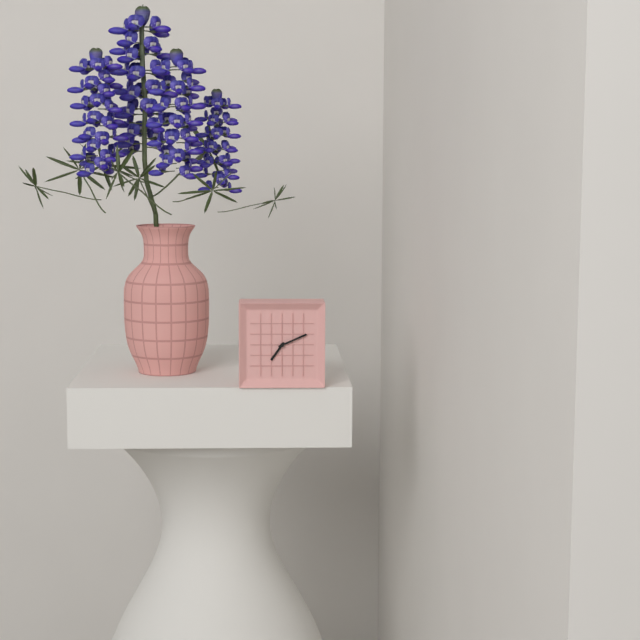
7.11
